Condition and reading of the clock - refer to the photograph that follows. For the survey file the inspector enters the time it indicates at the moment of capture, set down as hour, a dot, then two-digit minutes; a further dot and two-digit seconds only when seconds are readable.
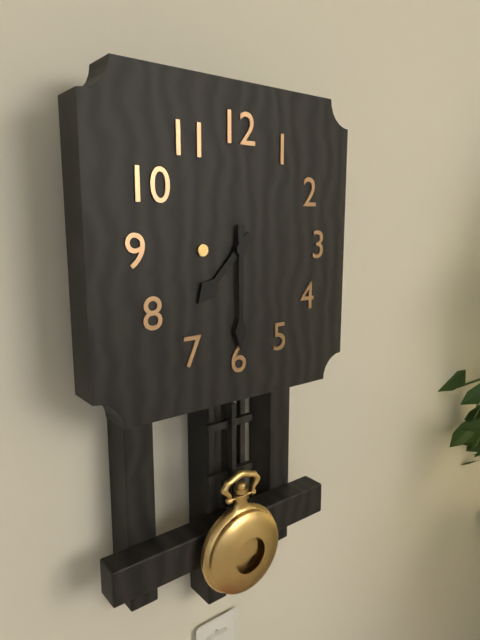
7.30
